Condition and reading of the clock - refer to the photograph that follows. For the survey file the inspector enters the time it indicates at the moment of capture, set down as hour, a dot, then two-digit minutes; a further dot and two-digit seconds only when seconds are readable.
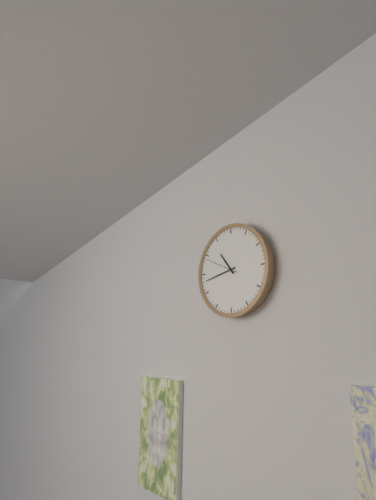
10.43
